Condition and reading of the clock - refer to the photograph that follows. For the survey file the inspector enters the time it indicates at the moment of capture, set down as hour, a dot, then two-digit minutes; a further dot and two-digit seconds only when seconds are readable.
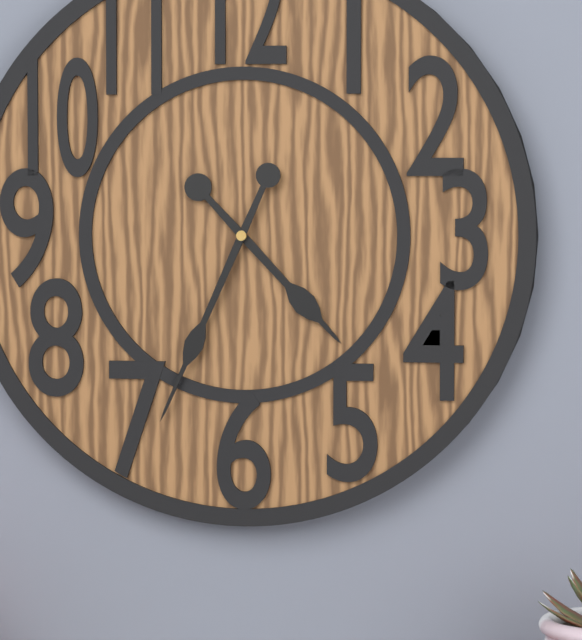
4.34
